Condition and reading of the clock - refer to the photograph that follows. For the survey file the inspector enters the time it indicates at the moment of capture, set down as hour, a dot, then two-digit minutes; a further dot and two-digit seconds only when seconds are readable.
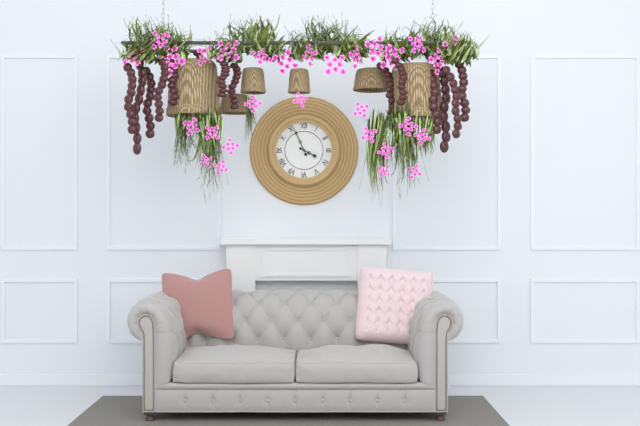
3.56
